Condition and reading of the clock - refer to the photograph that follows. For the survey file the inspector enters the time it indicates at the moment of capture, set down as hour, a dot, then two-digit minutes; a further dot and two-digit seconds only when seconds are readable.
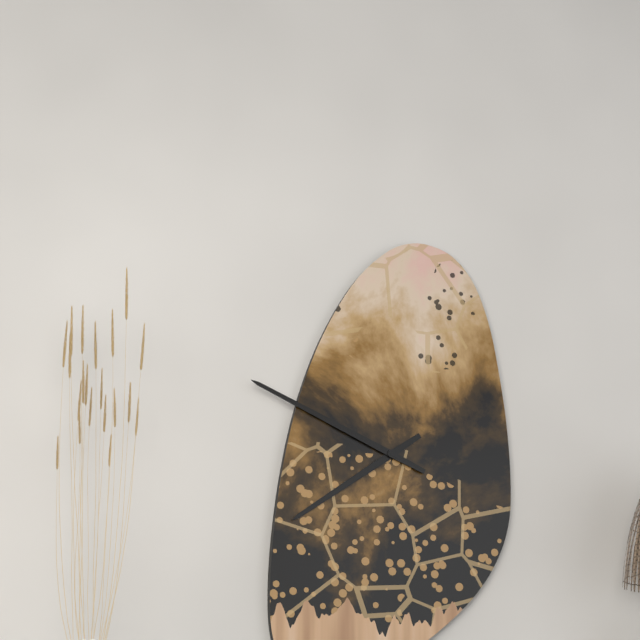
7.49
